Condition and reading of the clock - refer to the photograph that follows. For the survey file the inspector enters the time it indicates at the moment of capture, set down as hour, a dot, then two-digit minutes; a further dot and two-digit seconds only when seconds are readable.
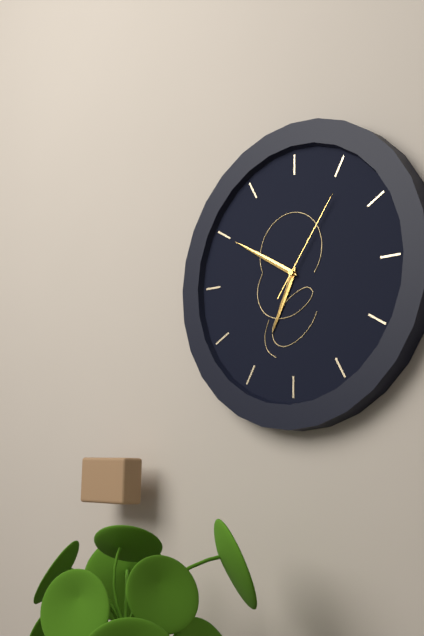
6.50.06
